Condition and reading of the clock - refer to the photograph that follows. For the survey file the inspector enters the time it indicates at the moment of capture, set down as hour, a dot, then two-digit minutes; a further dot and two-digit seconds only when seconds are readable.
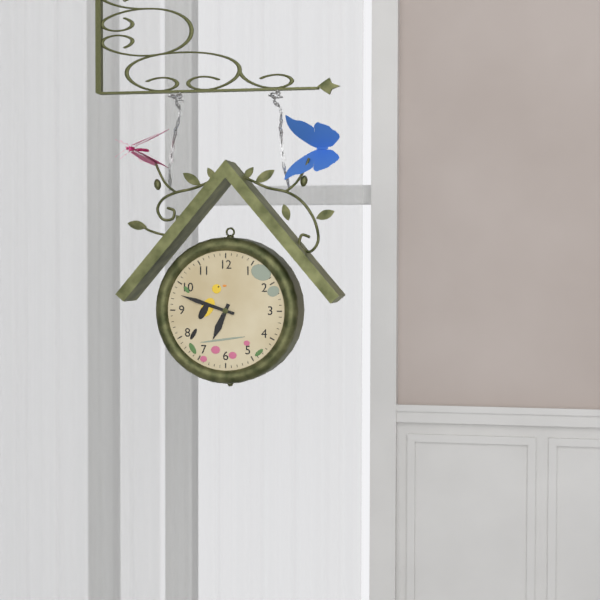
6.48
